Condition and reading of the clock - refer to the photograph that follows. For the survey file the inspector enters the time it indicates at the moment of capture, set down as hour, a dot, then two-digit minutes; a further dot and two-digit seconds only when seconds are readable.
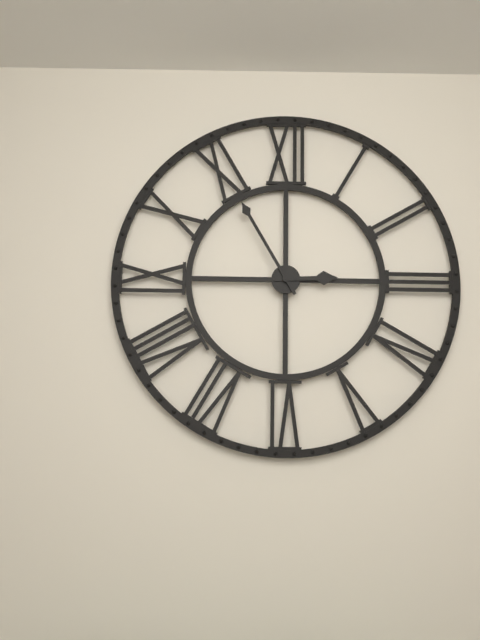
2.55
